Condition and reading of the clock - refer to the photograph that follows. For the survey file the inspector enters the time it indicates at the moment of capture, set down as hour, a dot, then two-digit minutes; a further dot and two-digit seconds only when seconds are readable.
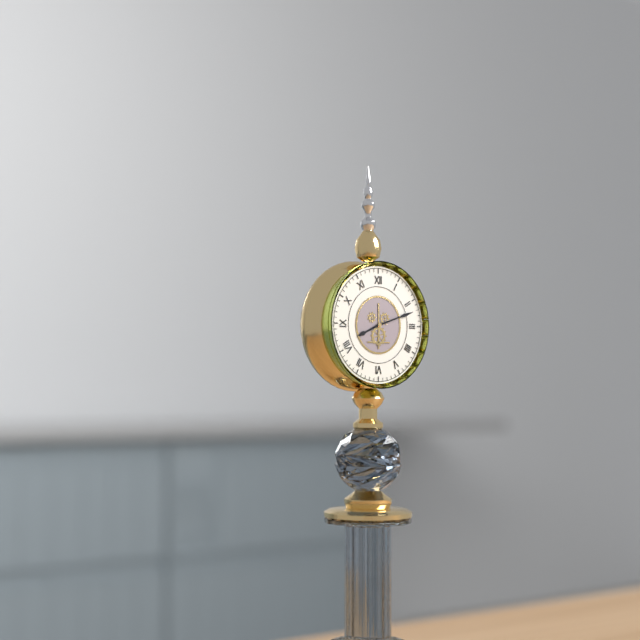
8.12
